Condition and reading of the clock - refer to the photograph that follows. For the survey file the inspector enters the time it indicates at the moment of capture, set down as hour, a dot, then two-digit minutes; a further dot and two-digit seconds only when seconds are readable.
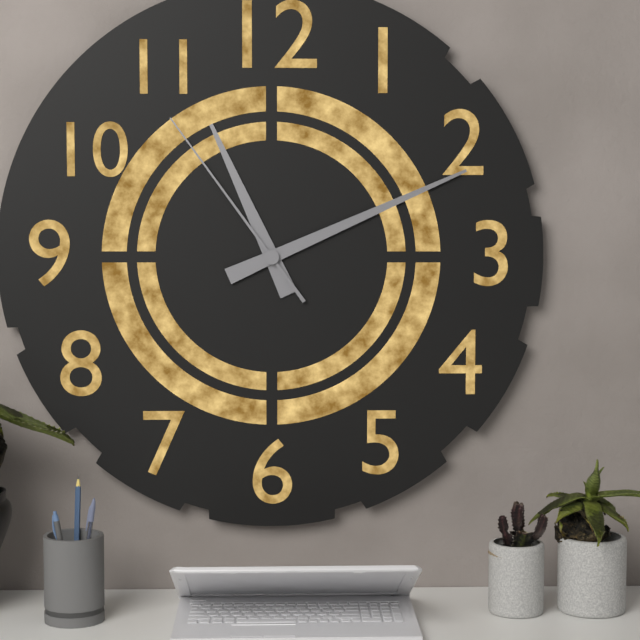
11.11.54
